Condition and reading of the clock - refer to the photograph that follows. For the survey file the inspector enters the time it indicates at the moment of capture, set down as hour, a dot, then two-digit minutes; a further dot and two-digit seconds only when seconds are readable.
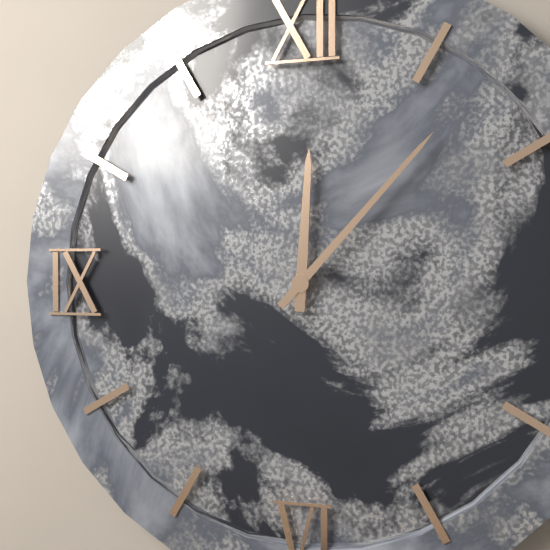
12.07
